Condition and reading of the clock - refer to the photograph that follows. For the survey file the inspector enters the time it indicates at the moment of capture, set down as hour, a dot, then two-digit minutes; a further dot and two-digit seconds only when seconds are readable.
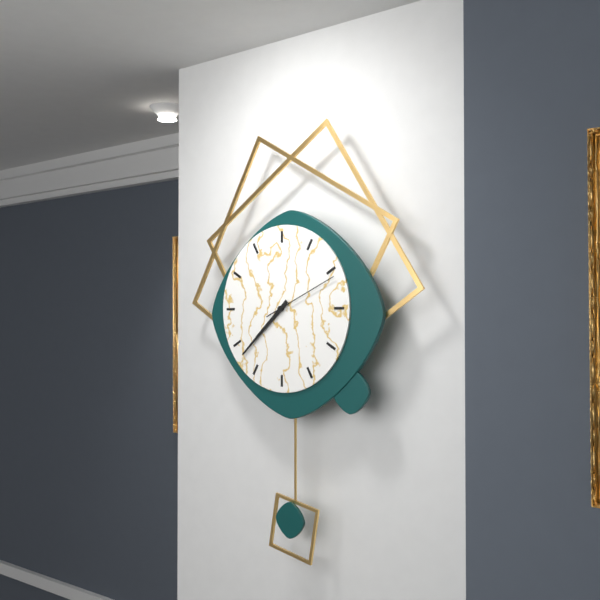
7.38.11
